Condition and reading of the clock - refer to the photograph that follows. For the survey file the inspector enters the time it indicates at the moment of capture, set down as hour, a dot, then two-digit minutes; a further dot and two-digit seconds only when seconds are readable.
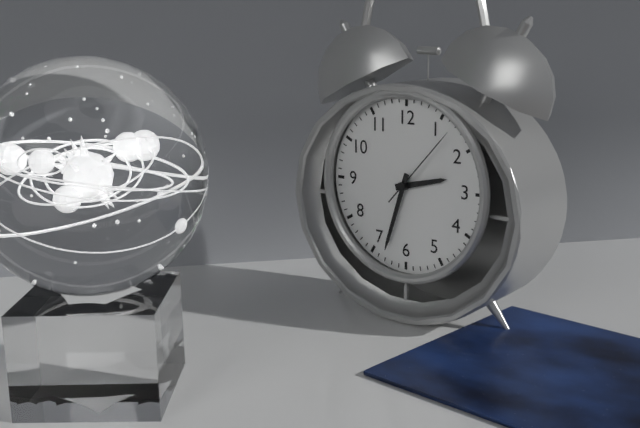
2.33.07
